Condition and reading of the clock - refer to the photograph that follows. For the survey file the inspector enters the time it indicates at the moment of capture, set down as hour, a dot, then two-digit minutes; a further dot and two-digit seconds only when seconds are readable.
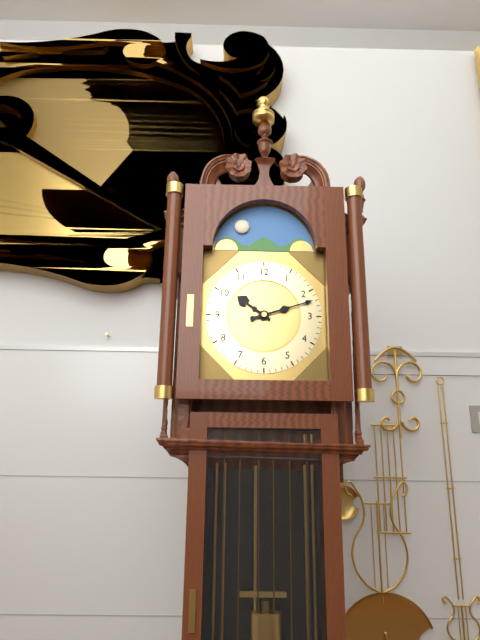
10.12
